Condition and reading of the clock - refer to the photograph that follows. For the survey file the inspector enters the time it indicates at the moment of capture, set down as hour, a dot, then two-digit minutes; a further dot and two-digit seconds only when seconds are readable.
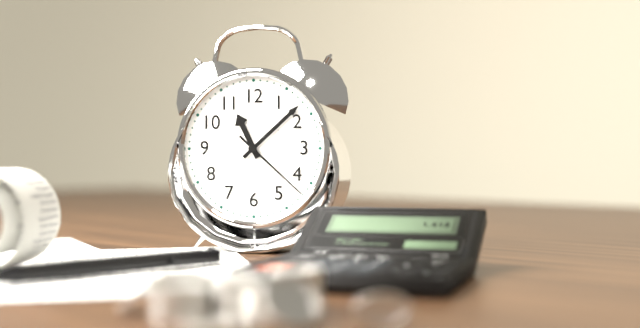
11.08.22
